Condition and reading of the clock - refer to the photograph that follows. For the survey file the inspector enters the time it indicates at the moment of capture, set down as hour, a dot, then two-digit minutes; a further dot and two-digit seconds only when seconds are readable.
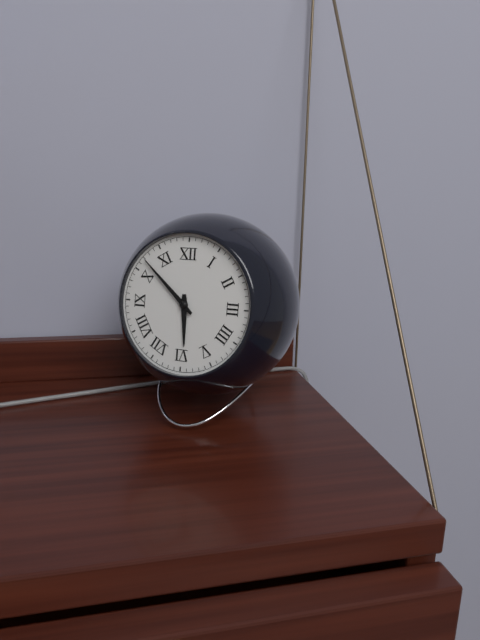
5.52
